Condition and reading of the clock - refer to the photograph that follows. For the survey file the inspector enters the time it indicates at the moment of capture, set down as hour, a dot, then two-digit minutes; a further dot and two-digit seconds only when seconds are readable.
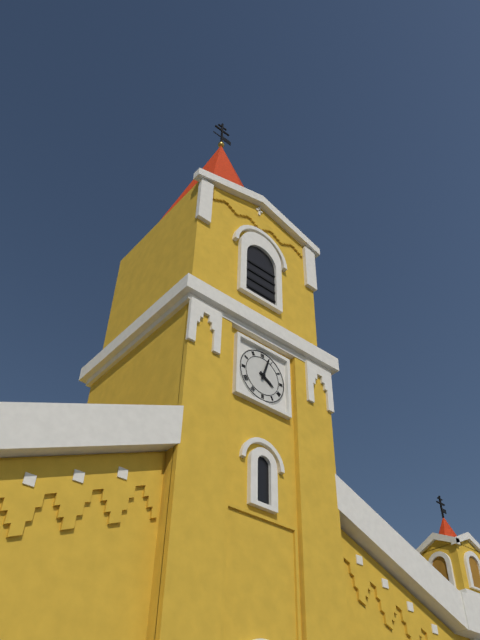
4.03
